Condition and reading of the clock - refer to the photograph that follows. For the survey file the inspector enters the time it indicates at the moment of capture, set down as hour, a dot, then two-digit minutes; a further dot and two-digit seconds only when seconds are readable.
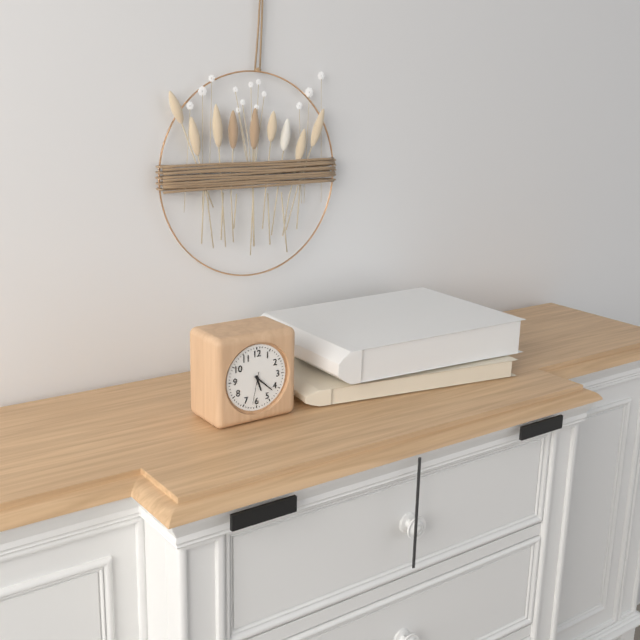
5.22
